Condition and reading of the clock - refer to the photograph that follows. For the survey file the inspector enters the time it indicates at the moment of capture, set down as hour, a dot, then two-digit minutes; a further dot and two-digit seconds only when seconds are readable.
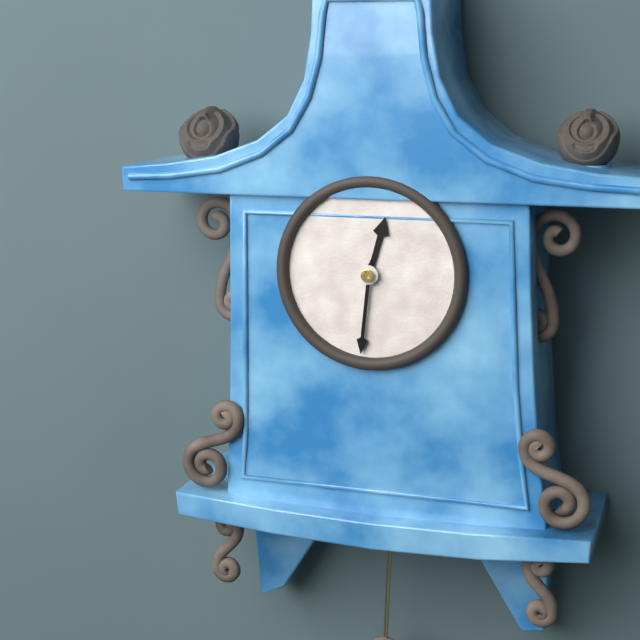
12.31
